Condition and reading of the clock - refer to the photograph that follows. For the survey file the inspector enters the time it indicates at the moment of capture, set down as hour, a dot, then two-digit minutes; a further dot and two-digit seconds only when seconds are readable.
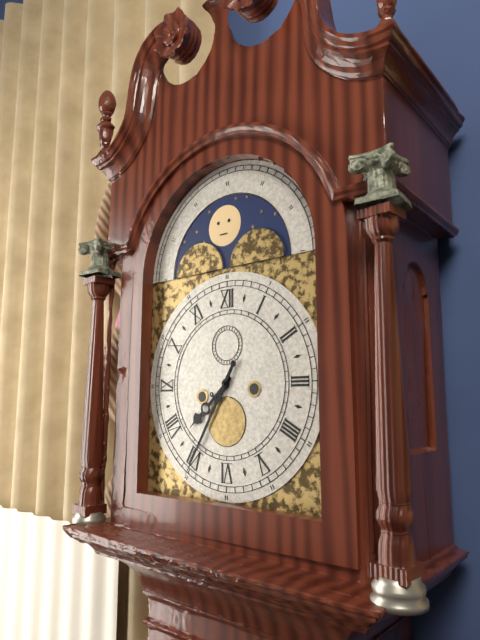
7.35
